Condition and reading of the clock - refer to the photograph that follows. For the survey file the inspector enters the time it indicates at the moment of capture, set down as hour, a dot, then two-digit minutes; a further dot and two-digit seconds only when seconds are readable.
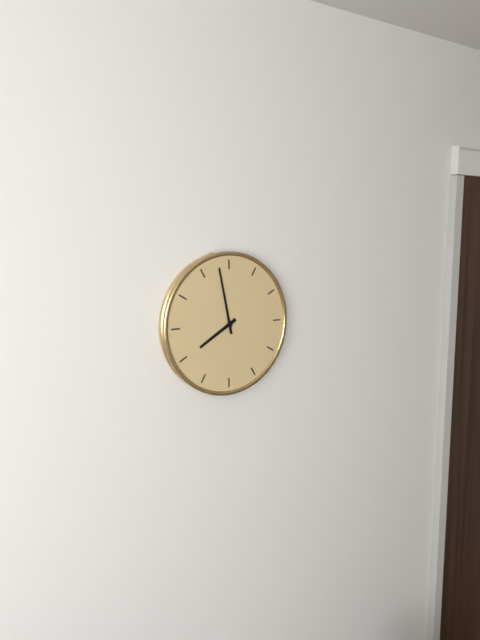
7.58
